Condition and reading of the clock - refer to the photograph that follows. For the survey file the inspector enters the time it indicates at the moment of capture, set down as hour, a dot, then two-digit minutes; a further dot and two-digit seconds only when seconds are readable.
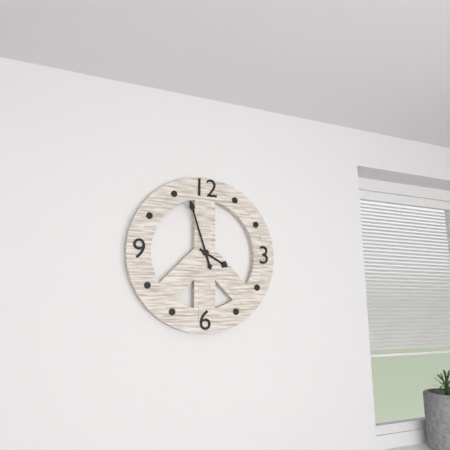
3.57
